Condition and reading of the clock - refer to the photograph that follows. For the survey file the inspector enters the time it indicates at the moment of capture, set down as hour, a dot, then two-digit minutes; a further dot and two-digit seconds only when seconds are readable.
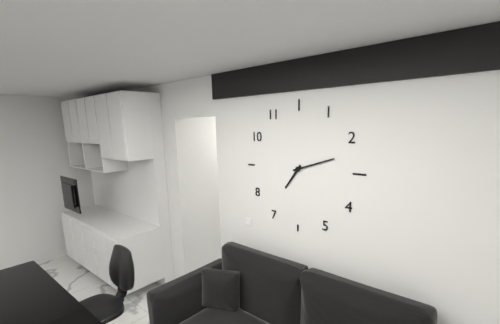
7.12
